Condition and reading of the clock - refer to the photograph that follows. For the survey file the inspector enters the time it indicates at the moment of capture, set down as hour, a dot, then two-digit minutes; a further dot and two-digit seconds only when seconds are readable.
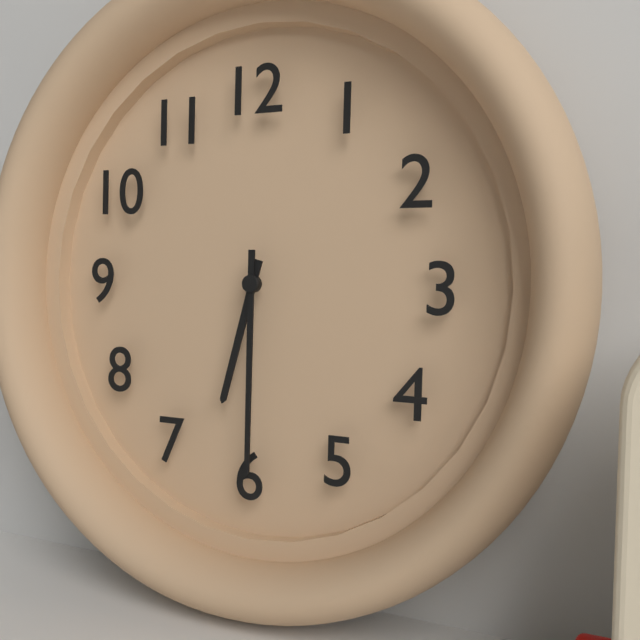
6.30
